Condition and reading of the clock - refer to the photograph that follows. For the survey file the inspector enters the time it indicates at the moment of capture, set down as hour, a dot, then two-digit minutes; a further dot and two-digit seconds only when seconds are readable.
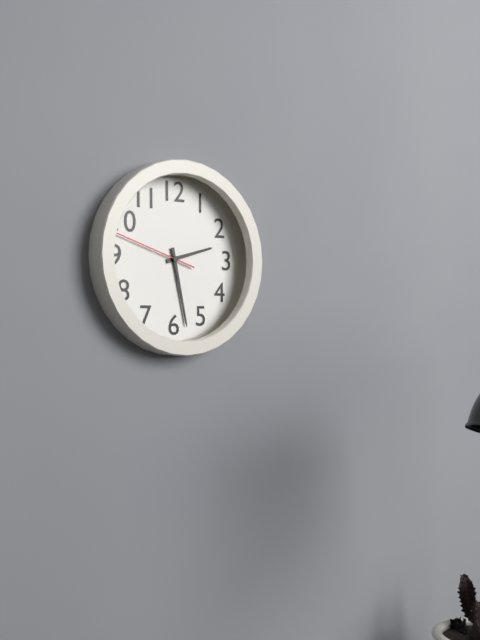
2.28.48
